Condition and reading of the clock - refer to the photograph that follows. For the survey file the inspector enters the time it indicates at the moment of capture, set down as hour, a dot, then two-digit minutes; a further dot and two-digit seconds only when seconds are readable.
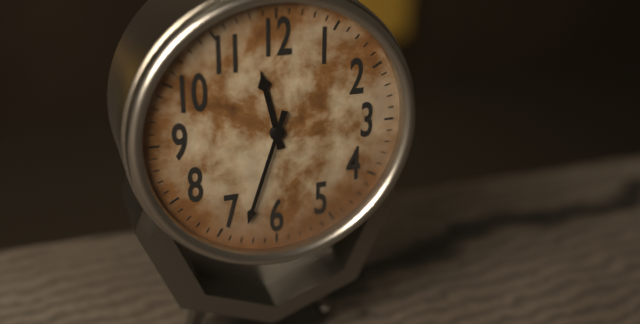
11.33
